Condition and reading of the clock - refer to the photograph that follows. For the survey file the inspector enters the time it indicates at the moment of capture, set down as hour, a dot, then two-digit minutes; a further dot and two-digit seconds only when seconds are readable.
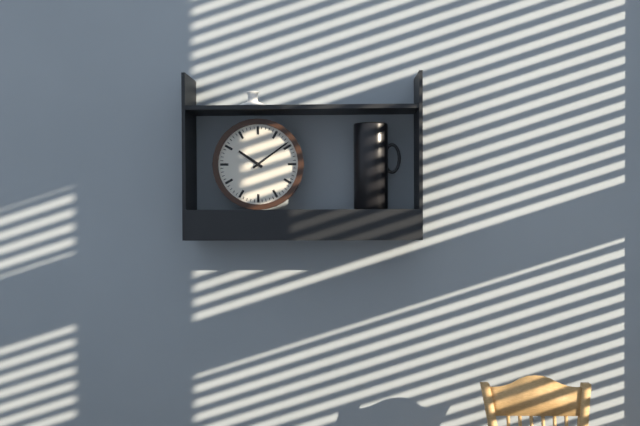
10.09
